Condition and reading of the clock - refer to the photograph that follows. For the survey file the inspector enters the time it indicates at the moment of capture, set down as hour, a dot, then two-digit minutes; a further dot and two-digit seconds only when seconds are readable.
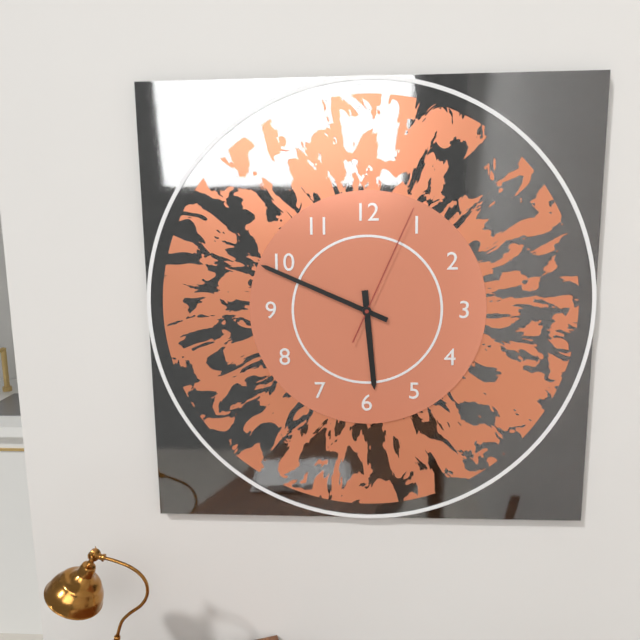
5.49.04
